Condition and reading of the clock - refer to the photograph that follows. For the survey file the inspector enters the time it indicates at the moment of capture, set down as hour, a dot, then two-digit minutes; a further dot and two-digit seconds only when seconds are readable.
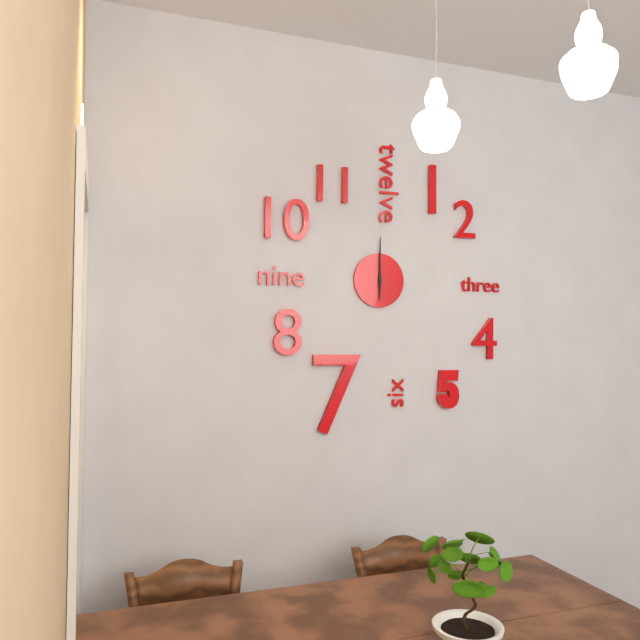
6.00
